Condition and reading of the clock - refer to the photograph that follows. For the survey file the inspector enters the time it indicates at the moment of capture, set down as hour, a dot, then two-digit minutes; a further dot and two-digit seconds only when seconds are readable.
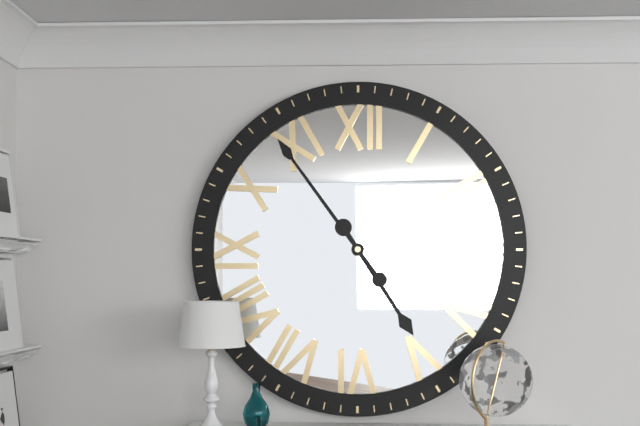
4.54
